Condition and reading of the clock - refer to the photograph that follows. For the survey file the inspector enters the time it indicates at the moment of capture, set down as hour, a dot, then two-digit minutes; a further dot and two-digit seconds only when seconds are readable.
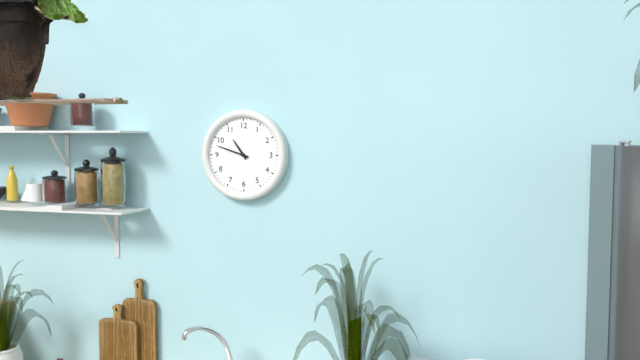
10.48
